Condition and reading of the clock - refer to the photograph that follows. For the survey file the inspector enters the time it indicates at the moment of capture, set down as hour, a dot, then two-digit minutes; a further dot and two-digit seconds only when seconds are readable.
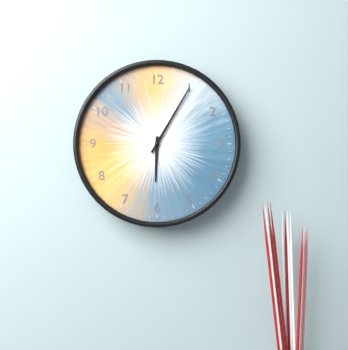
6.05
